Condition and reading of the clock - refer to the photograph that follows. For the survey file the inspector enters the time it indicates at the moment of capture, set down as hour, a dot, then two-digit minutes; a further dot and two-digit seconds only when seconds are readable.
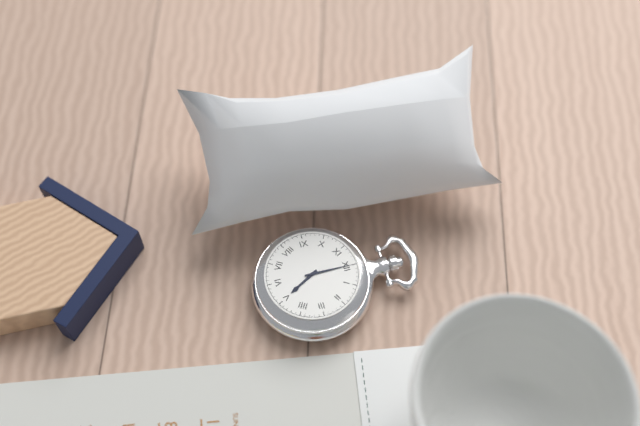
5.00
